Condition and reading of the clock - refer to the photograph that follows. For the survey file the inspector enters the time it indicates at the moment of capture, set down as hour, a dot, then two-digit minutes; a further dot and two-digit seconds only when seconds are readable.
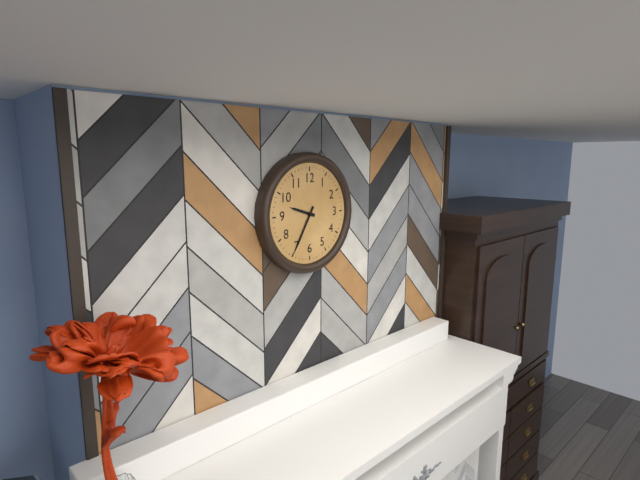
9.35
